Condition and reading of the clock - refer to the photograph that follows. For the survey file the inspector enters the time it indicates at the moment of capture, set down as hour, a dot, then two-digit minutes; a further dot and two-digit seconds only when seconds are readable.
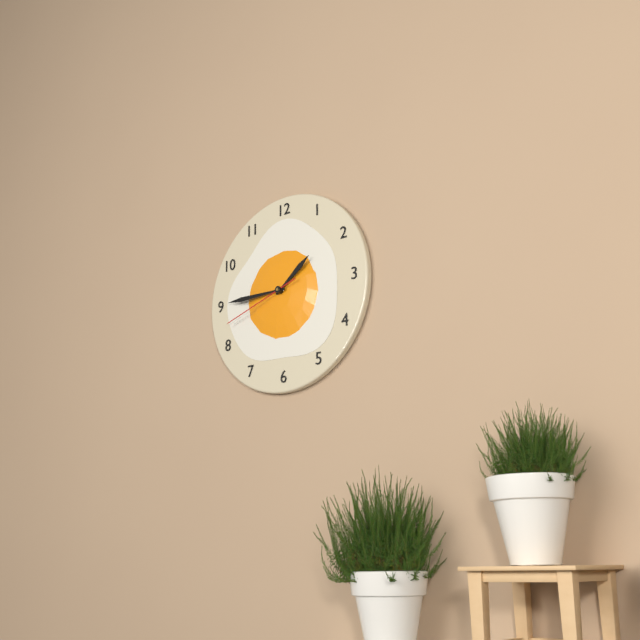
1.45.42
